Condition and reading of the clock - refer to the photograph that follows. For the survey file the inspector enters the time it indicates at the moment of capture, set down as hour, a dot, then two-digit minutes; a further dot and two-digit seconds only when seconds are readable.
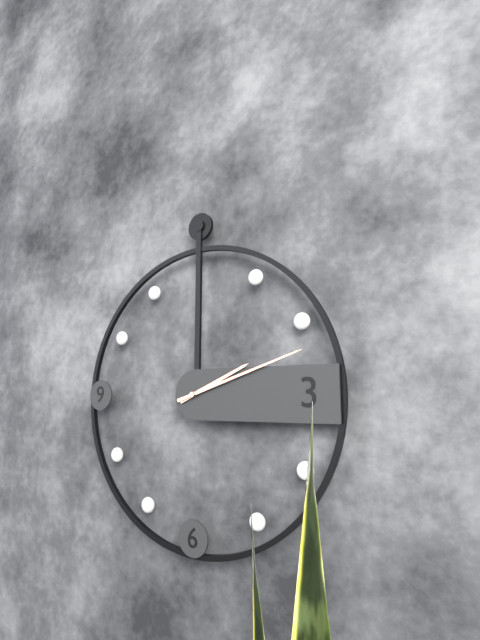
2.12
